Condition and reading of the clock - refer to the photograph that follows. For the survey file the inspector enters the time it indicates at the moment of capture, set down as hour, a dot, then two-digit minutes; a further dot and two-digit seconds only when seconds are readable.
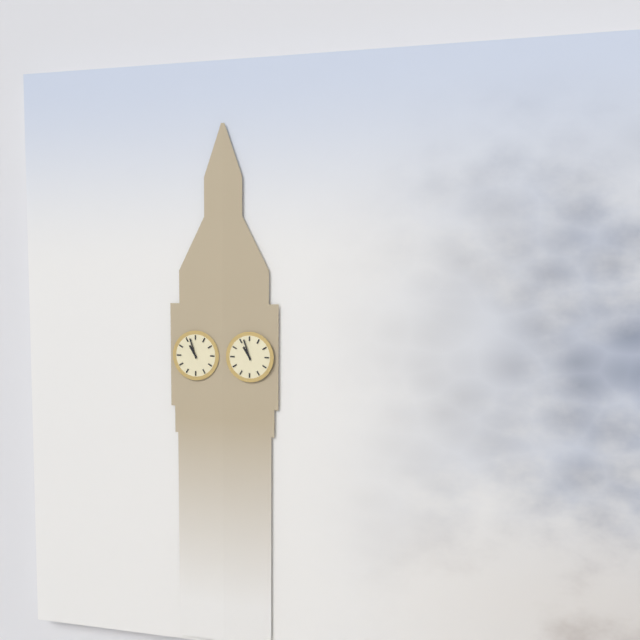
10.57
